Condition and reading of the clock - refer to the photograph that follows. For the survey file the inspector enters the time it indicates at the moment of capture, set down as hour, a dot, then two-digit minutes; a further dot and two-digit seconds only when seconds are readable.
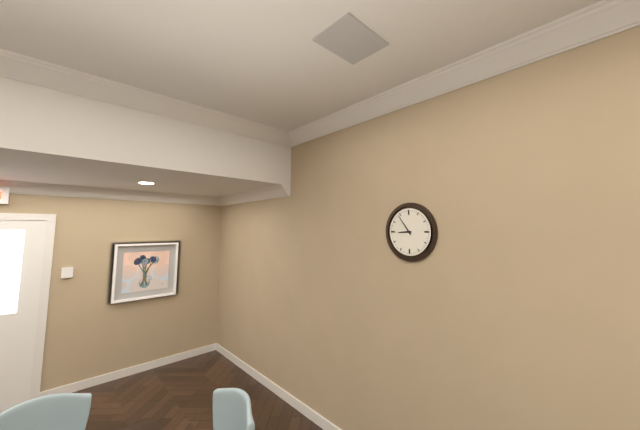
8.54
